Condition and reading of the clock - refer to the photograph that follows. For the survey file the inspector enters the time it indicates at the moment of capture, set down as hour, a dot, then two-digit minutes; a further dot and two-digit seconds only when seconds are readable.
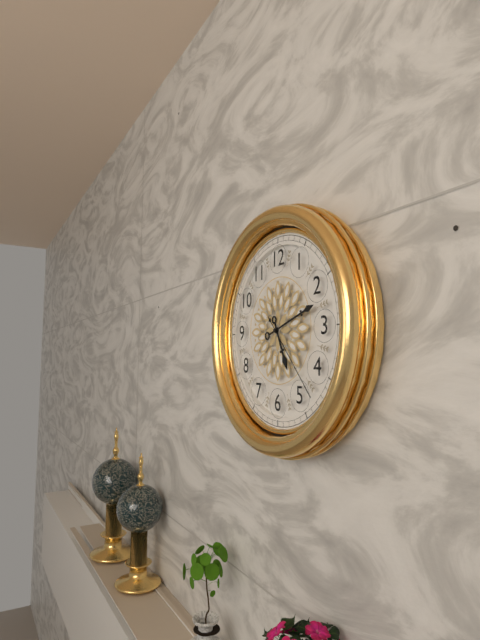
5.12.23
